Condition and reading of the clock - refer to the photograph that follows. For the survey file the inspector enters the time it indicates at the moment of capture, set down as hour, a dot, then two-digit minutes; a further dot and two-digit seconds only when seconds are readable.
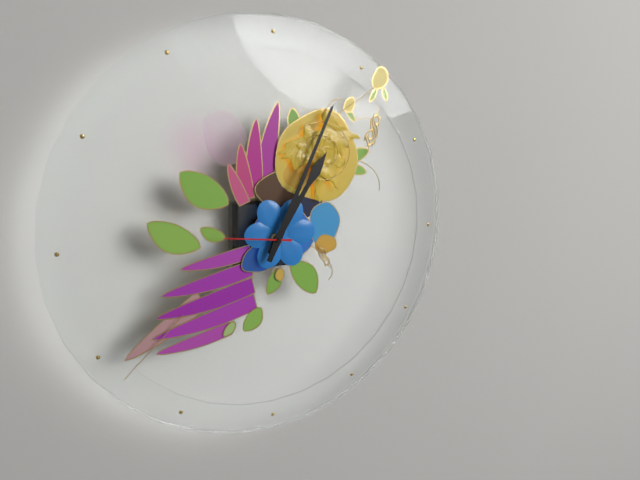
1.04.46
